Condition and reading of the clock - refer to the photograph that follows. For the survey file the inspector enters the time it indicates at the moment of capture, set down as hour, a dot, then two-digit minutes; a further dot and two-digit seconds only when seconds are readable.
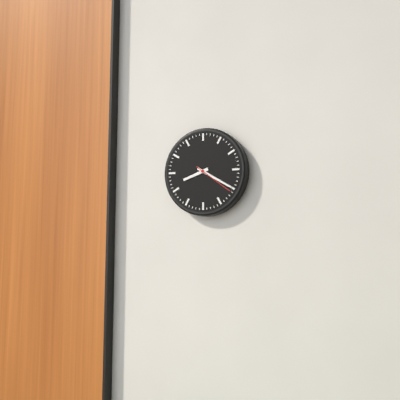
8.20
